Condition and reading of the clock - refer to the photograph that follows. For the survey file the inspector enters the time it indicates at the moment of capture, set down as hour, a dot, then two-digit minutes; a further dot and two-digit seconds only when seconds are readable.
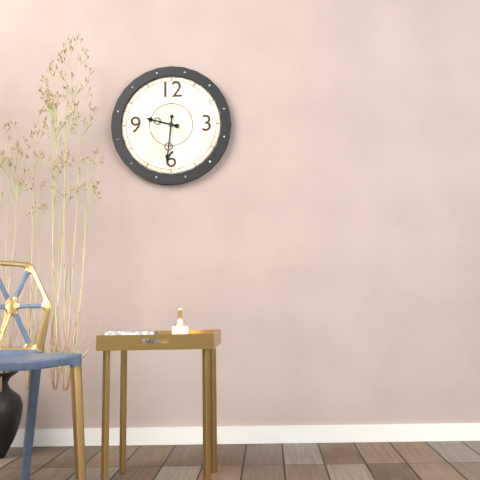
9.31
